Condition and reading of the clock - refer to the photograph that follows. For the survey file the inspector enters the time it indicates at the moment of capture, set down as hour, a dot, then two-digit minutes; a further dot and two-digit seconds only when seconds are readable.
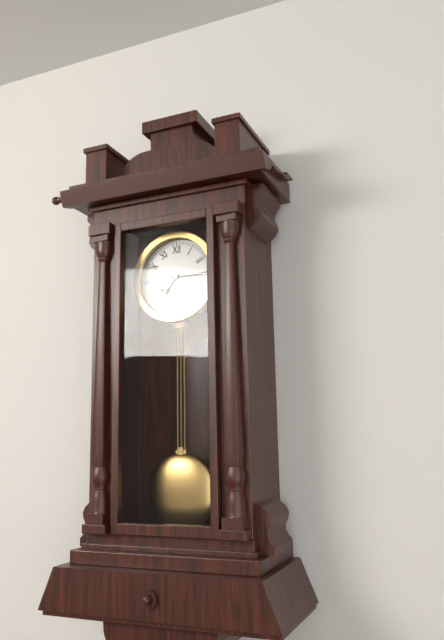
7.15
